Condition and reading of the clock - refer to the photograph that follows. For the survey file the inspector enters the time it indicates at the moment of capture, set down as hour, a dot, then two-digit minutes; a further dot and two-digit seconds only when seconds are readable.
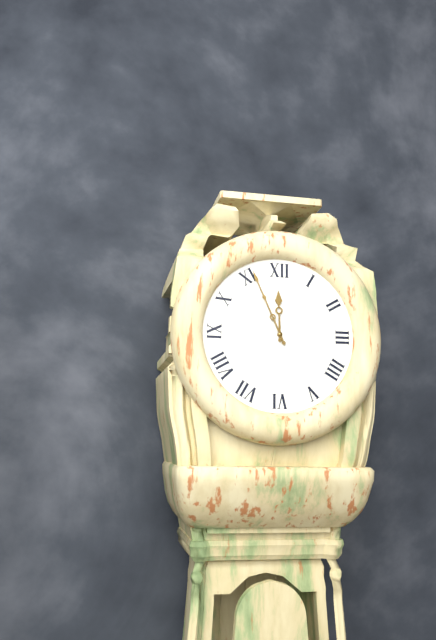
11.56
